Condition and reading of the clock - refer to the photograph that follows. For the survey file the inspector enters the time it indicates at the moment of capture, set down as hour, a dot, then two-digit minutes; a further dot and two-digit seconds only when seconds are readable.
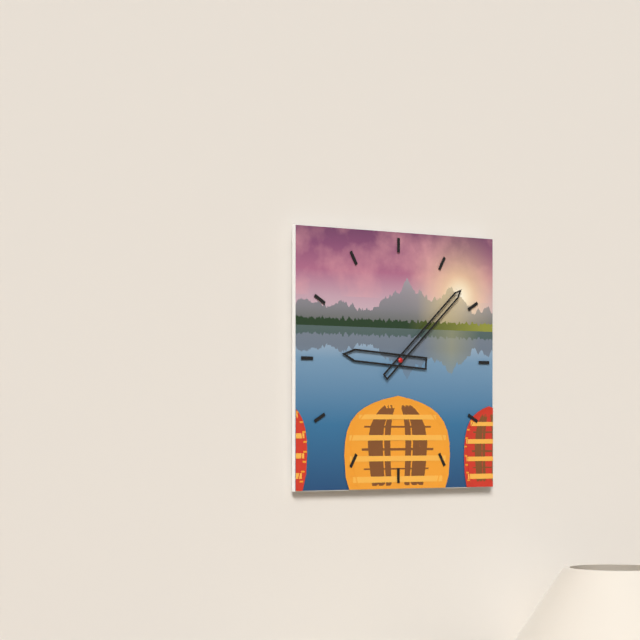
9.08
